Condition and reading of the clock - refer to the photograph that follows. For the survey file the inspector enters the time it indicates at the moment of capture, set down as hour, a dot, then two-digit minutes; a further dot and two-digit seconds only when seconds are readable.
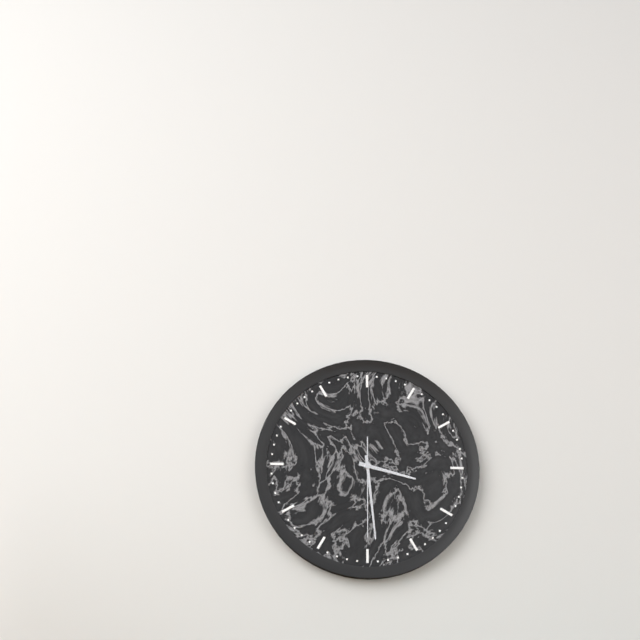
3.29.30
